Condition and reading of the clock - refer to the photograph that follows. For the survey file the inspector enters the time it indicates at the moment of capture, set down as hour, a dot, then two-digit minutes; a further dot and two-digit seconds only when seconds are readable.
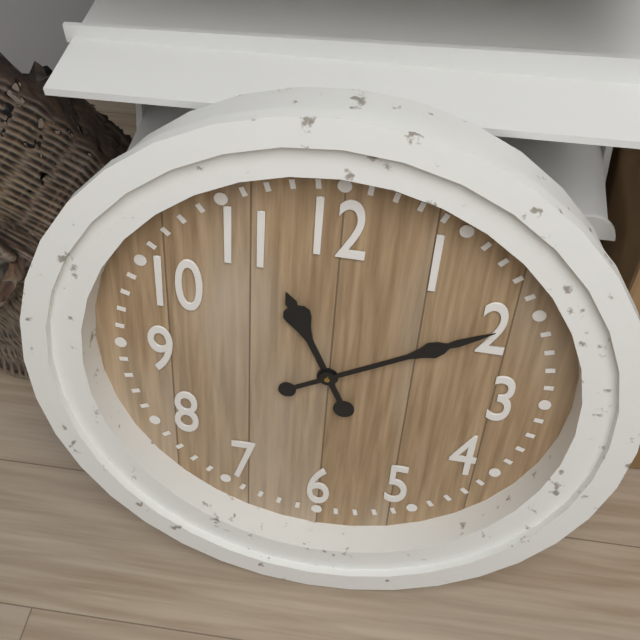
11.10
